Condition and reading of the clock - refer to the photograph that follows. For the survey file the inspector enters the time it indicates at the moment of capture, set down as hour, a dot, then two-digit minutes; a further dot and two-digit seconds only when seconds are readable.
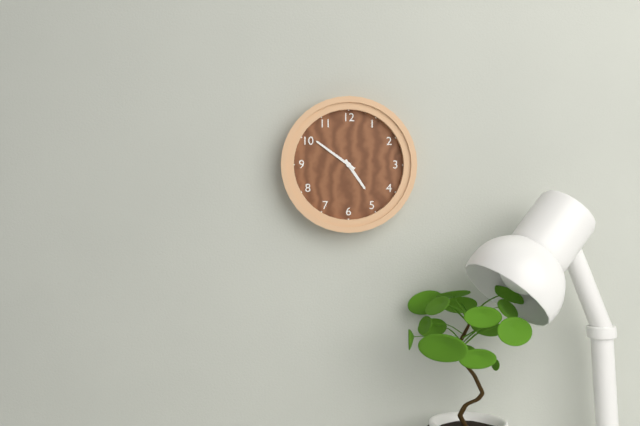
4.51
